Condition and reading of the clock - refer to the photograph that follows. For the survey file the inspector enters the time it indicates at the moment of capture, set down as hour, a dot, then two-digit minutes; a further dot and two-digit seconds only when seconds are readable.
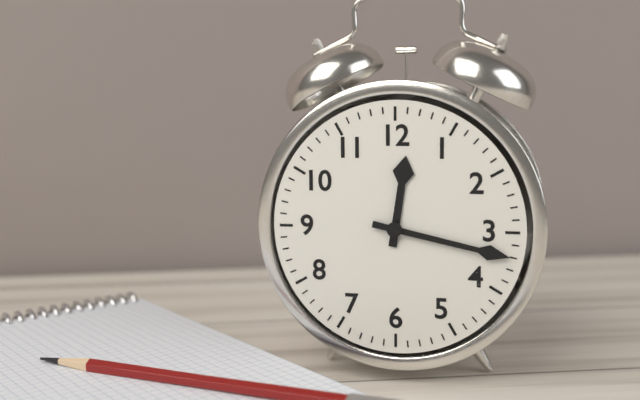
12.17
